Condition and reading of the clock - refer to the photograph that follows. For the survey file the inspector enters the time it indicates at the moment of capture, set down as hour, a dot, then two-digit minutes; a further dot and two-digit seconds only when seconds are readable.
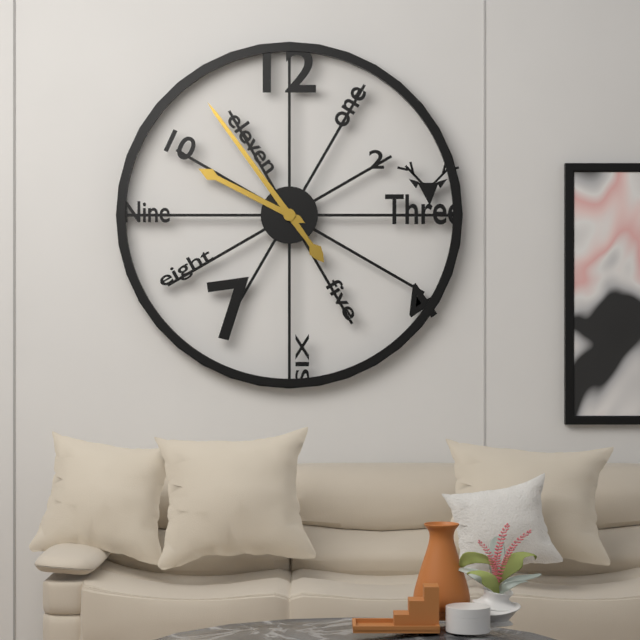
9.54
